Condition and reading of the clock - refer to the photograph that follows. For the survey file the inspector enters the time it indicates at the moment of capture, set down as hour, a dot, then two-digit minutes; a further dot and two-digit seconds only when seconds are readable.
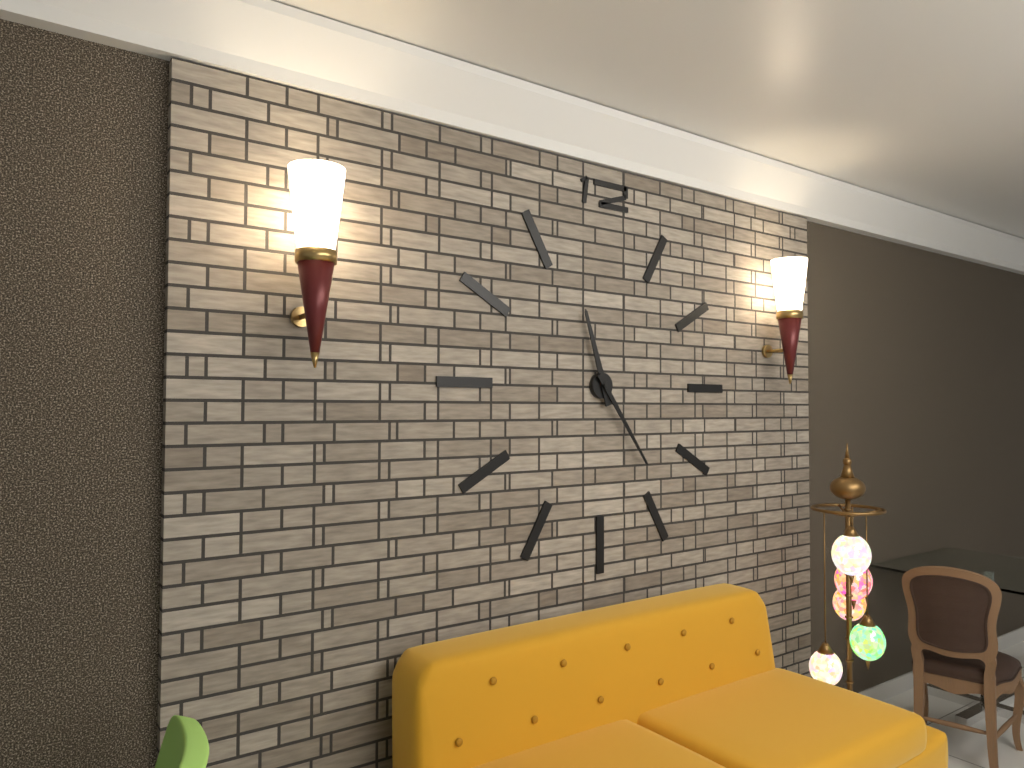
11.24
